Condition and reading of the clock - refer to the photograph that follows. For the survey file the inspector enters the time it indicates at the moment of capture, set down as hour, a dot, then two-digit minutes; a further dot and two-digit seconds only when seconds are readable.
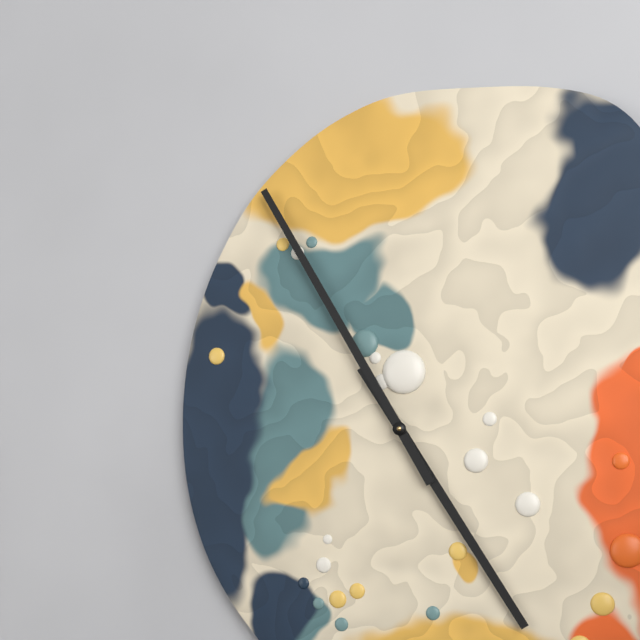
4.55
